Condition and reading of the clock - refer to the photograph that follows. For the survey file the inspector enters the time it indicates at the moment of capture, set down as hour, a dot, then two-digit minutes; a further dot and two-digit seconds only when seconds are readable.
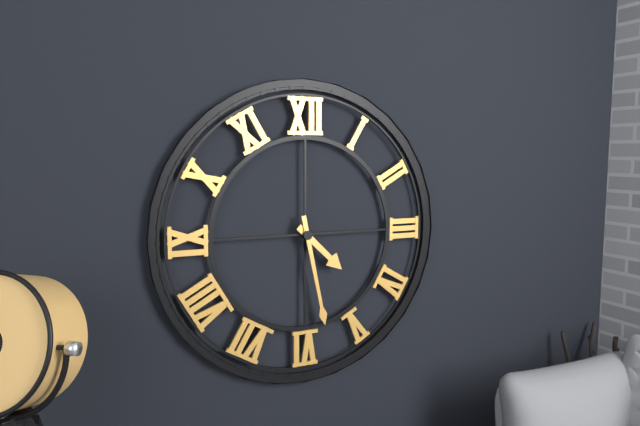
4.28
